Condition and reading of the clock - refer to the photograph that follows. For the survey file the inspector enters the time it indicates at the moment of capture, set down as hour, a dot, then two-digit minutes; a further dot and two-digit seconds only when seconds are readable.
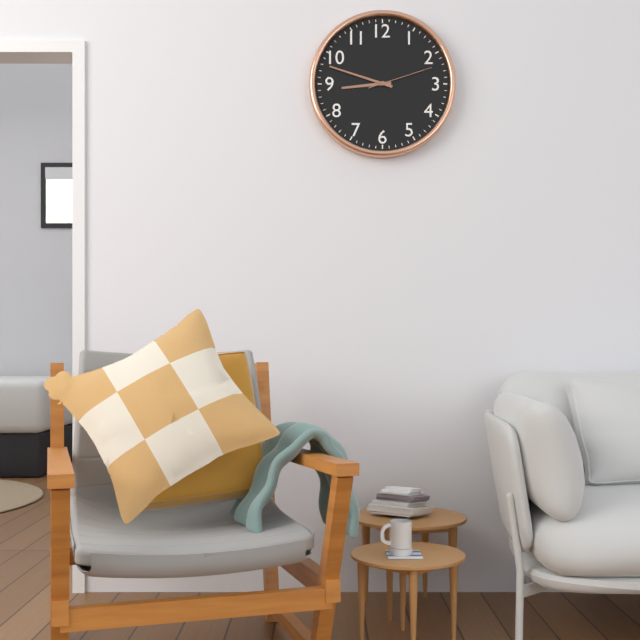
8.48.12
